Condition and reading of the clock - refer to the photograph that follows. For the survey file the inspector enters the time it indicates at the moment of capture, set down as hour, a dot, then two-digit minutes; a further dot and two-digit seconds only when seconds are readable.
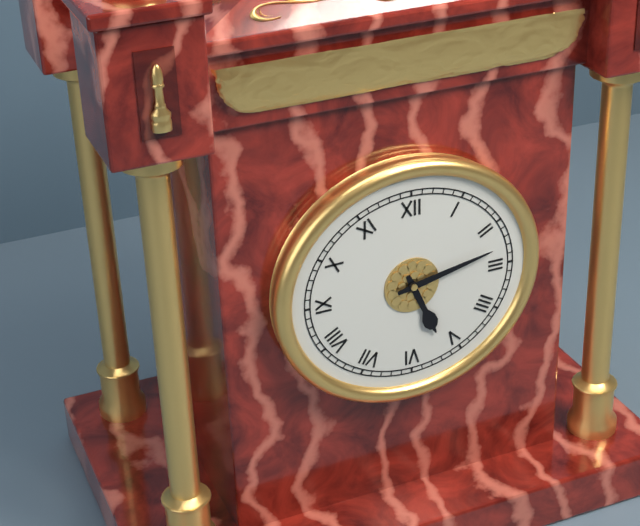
5.13
